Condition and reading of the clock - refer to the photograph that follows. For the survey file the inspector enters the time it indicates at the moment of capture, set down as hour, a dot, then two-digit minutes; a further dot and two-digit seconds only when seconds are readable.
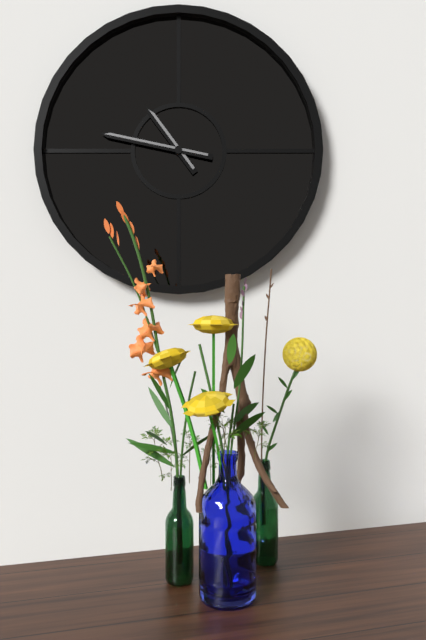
10.47
